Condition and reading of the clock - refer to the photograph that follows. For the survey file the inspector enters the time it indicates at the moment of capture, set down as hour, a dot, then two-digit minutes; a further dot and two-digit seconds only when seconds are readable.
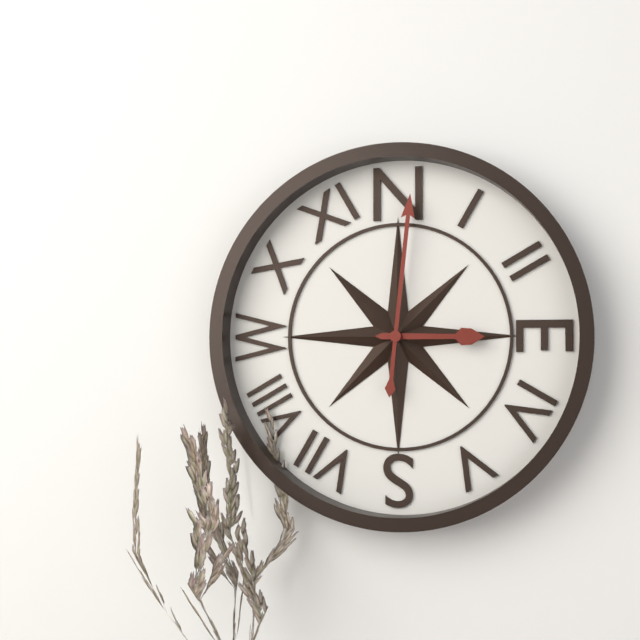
3.01
